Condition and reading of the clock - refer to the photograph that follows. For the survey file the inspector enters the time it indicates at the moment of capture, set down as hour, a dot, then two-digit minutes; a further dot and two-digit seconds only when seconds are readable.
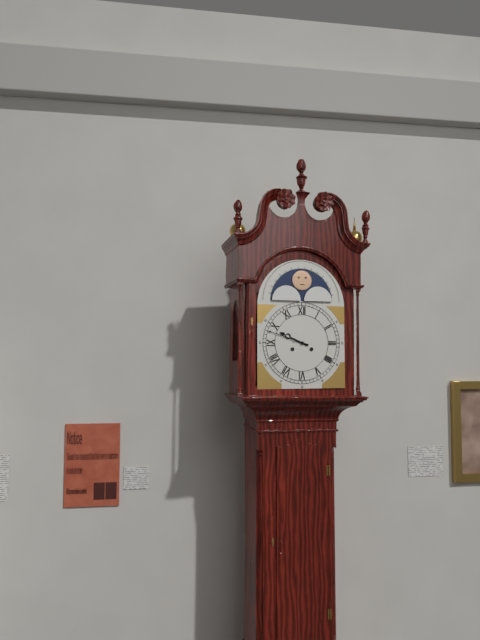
9.48
